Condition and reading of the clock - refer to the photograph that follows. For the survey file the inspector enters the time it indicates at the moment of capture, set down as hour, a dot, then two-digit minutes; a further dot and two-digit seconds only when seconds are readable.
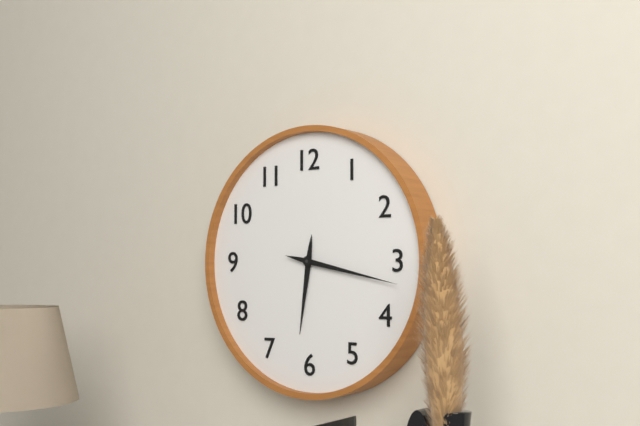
6.17
